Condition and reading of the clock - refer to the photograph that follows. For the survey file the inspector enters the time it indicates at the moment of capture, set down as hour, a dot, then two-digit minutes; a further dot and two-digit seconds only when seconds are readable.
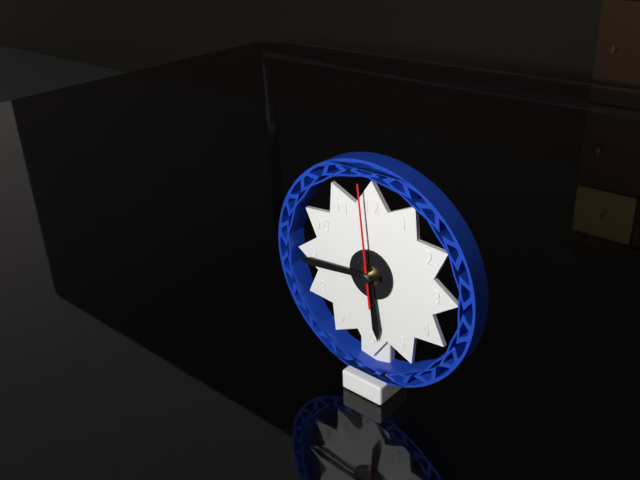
5.44.59
